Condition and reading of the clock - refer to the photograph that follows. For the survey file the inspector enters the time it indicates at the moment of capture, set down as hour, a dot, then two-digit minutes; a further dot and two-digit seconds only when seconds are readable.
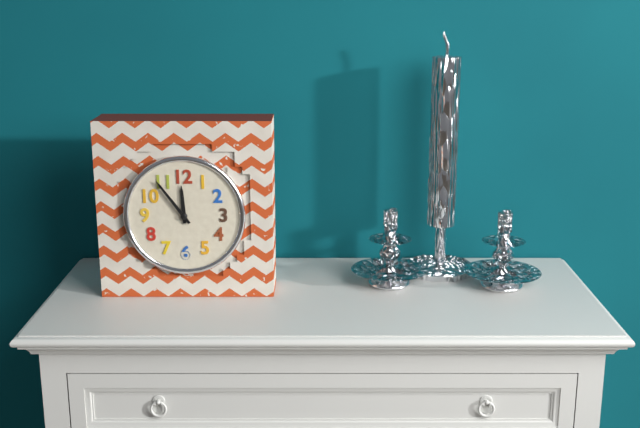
11.54
